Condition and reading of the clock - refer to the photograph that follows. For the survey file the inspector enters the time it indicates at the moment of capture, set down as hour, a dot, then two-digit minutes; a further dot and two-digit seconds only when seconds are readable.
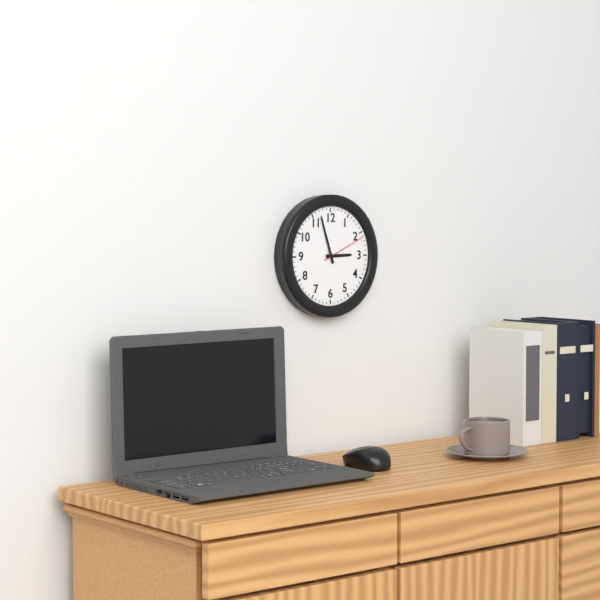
2.57
